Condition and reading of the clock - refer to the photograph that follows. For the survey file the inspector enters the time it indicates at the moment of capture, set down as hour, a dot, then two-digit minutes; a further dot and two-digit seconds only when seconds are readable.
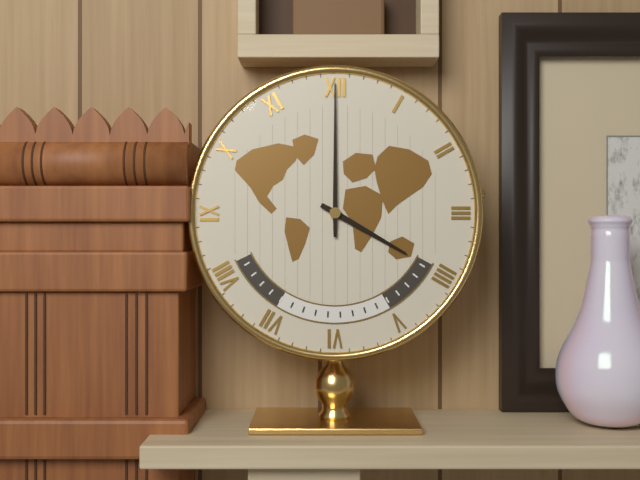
4.00
